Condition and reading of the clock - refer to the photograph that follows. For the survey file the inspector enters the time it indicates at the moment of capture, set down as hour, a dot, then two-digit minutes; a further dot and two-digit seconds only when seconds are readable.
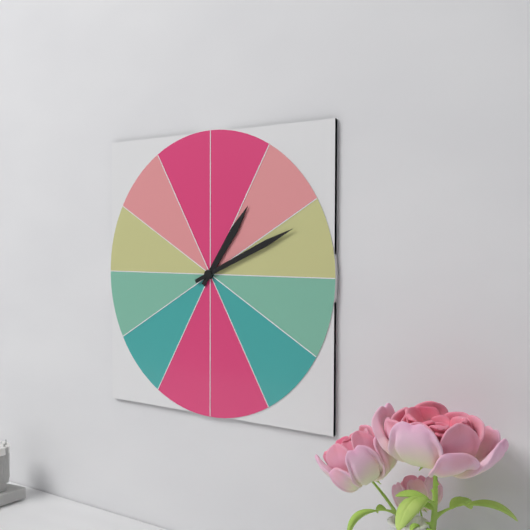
1.11
